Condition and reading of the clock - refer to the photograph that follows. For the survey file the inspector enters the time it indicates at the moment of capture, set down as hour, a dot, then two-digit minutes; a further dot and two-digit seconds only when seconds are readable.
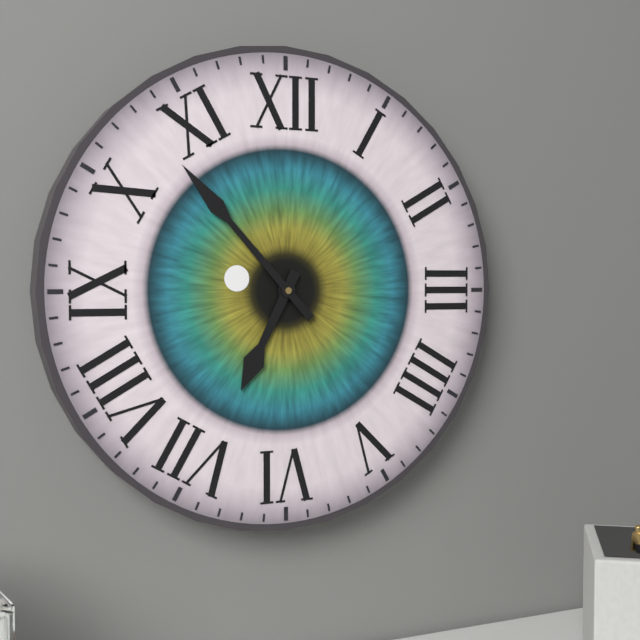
6.53
